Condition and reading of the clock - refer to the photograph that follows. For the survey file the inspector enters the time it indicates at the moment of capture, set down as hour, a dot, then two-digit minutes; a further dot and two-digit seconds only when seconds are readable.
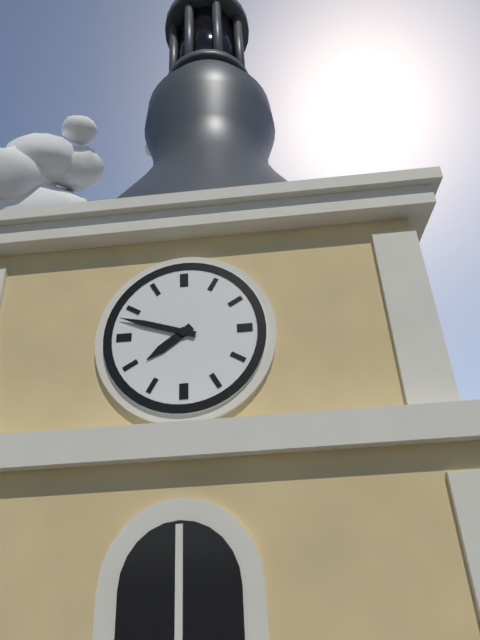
7.48
